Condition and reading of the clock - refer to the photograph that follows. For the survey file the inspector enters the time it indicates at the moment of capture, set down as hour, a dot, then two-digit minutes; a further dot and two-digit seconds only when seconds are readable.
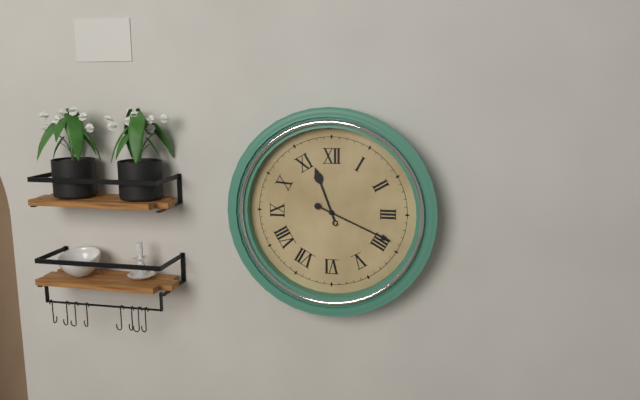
11.19
